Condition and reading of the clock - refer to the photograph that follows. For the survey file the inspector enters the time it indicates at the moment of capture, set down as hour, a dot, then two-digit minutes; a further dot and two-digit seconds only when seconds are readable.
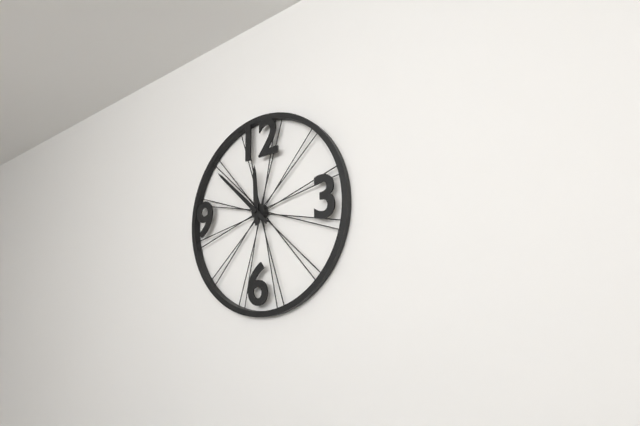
11.52
